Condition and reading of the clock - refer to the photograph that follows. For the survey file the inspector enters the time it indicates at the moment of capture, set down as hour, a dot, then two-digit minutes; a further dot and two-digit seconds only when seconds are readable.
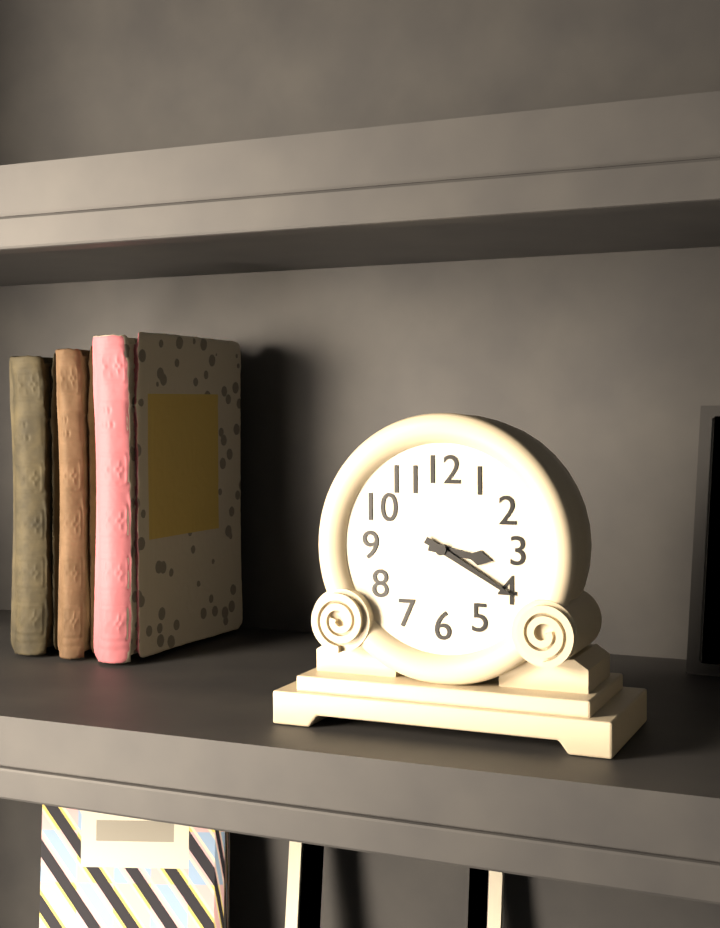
3.20
